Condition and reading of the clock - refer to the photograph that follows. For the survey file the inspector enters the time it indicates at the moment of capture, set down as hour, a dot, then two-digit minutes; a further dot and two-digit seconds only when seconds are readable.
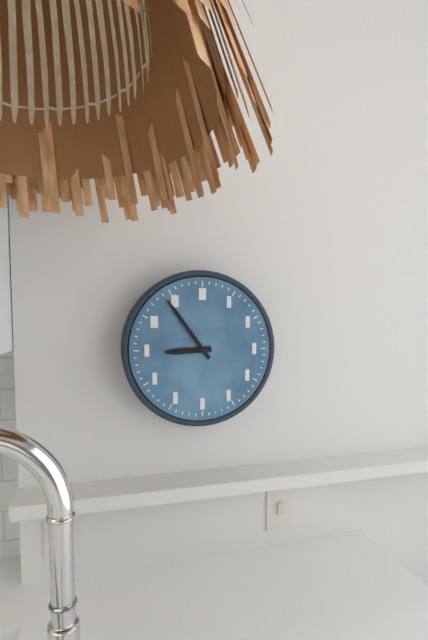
8.54
